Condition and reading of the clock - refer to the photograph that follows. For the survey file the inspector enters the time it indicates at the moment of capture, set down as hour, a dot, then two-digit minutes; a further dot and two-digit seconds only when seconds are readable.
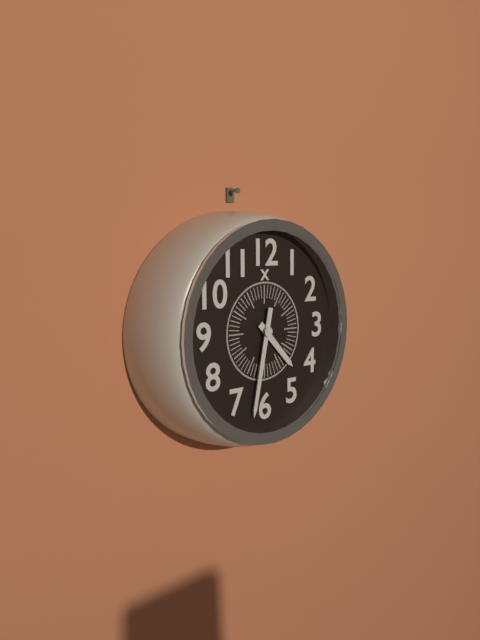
4.32
